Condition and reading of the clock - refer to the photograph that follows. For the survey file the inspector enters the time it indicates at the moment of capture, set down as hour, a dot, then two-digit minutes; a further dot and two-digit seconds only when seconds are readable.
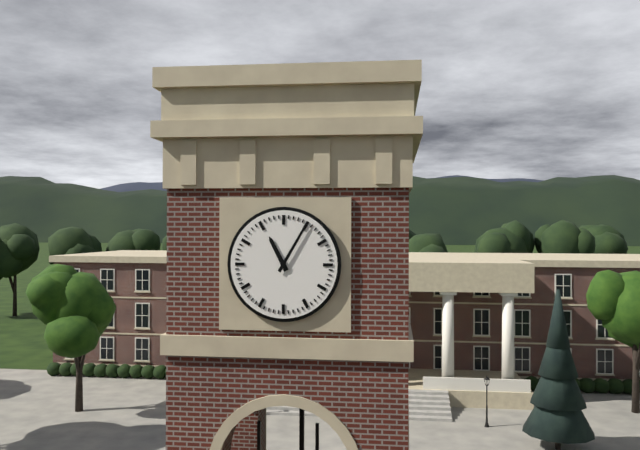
11.05
